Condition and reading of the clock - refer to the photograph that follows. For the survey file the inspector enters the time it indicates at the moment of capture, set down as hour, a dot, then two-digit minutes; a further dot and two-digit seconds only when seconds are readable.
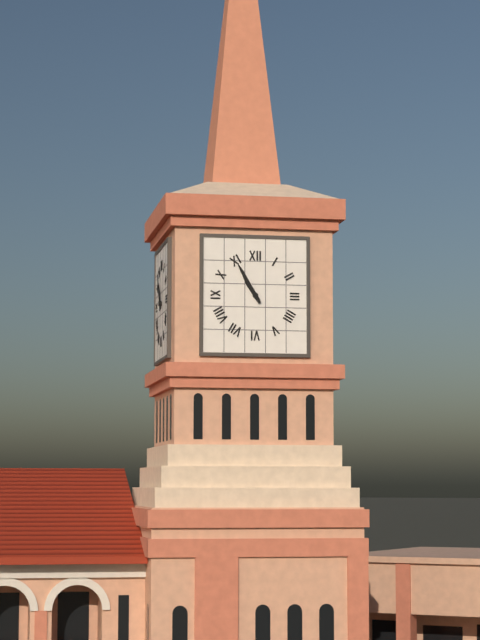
10.55
